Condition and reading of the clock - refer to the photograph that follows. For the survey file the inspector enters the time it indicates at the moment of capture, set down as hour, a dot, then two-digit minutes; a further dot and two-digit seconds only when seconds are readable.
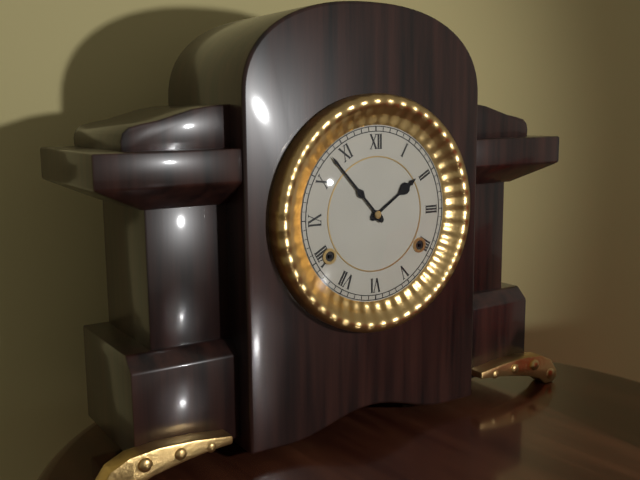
1.53
